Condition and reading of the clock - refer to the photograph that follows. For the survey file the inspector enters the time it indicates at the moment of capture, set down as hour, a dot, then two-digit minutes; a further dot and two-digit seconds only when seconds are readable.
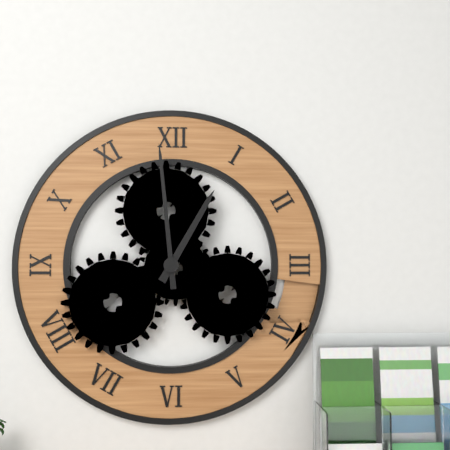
12.59
